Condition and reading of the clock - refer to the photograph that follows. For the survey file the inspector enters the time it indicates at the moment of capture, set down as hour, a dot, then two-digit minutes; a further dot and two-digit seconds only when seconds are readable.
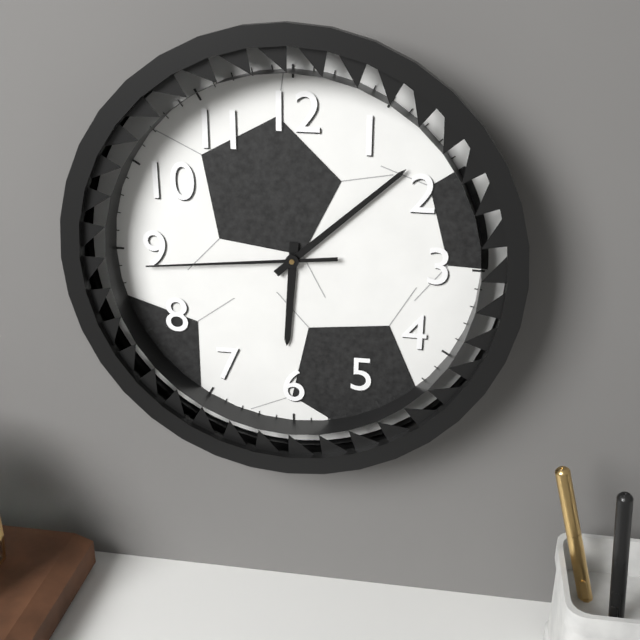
6.08.44
